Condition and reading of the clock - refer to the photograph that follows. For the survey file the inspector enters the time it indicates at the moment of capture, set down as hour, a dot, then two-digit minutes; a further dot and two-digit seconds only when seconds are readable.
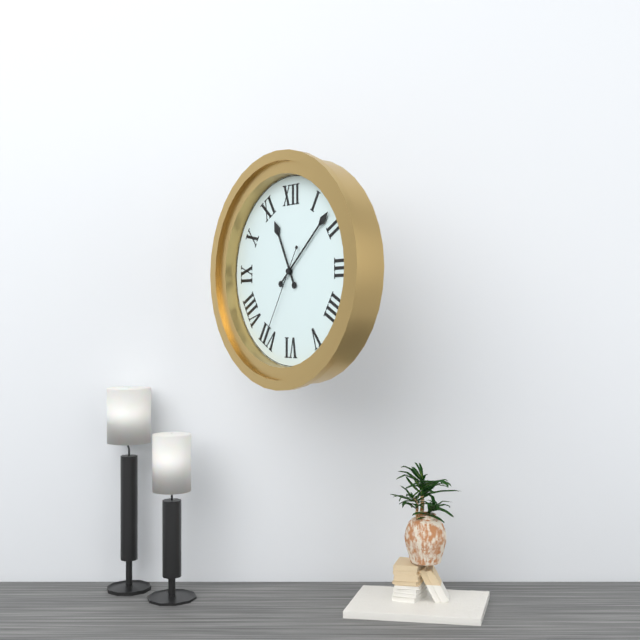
11.08.35
